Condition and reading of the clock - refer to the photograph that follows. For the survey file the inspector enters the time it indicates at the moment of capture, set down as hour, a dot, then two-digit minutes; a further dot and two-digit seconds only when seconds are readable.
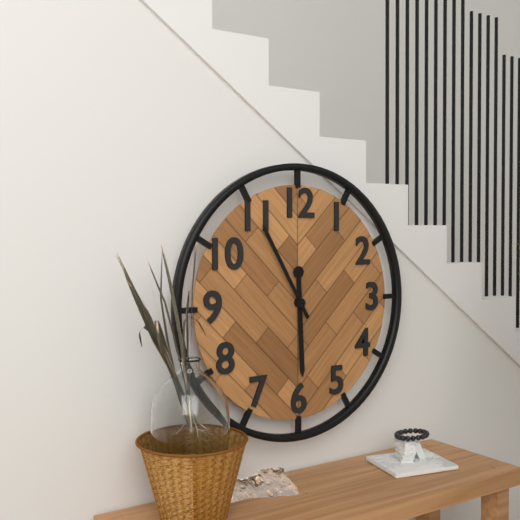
5.55
